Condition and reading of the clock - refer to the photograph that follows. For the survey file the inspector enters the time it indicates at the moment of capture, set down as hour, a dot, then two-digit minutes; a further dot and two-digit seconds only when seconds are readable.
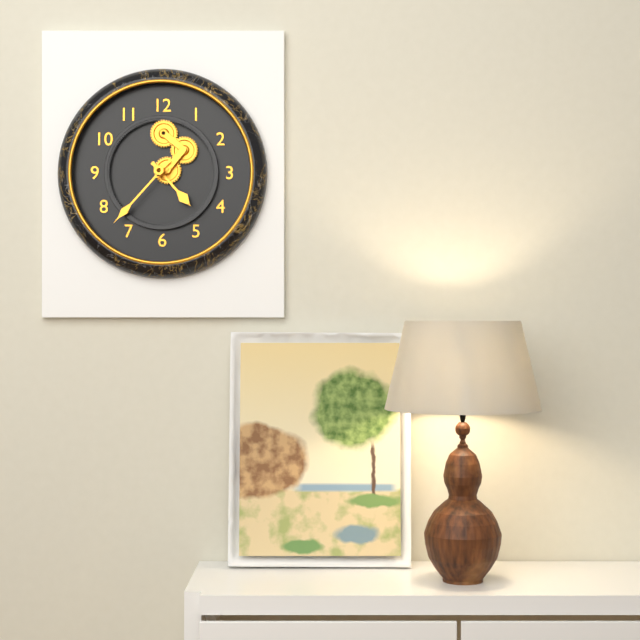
4.37
